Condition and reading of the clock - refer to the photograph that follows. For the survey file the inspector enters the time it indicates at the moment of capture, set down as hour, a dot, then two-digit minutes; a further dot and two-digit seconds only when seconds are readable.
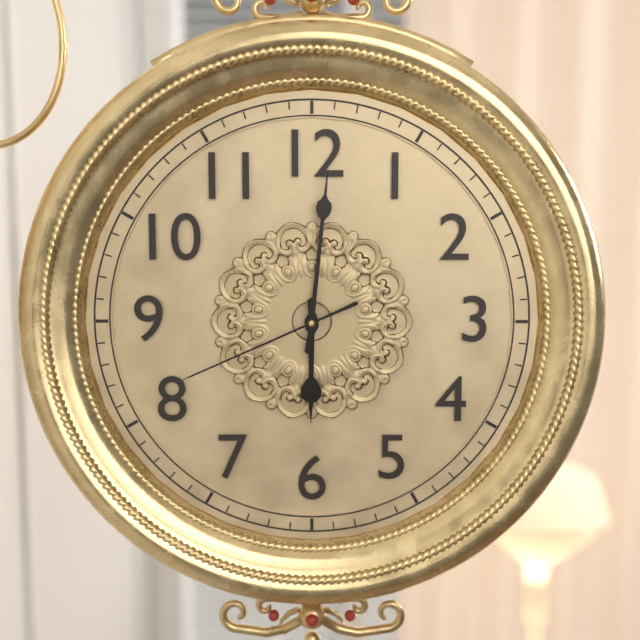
6.01.41
